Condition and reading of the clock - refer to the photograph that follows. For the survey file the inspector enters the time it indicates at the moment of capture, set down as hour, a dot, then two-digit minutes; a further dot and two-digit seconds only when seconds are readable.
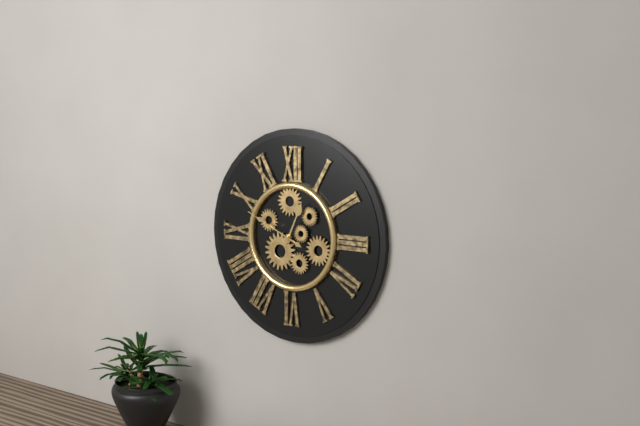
12.49
